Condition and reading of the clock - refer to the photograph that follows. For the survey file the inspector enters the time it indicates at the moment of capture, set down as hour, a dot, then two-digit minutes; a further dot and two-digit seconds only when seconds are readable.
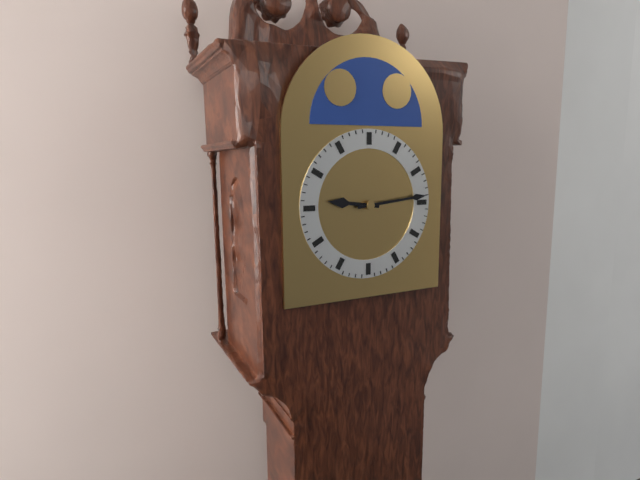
9.14
